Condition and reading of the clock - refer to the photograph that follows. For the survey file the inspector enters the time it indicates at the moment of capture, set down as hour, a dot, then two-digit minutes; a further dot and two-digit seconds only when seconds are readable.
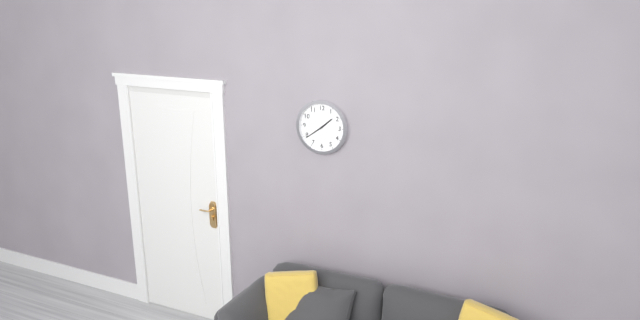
1.39
